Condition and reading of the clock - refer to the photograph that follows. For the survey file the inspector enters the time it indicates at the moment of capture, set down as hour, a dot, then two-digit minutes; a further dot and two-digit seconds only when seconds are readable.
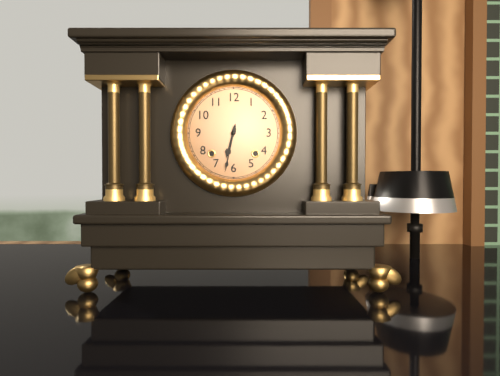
6.32
